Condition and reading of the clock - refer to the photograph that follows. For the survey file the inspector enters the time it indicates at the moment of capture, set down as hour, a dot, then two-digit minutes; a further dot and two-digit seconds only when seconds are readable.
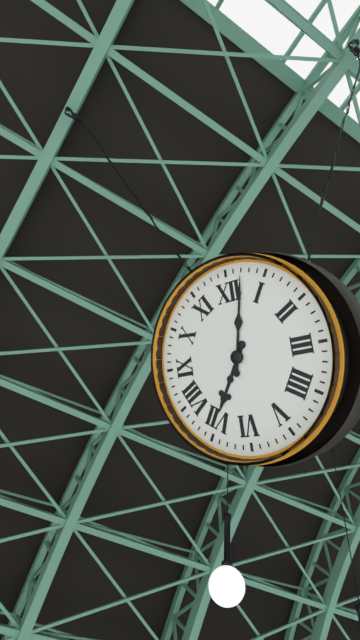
7.02
